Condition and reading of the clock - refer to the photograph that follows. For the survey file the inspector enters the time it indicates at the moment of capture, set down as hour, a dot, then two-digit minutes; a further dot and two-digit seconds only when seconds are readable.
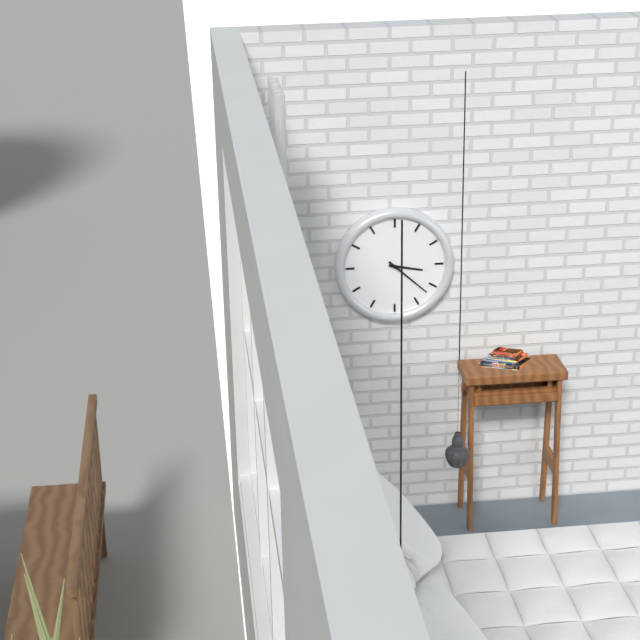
3.22
